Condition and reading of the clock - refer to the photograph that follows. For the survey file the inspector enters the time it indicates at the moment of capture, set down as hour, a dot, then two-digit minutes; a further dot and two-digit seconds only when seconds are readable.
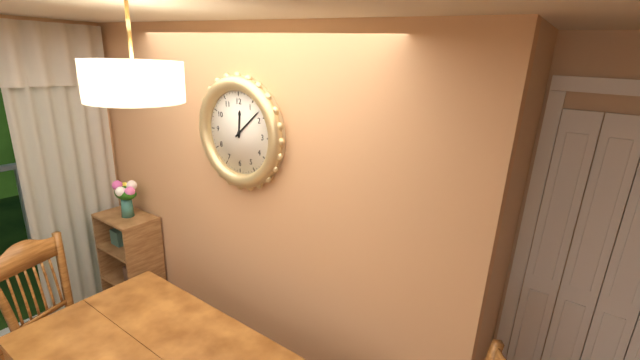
12.08
